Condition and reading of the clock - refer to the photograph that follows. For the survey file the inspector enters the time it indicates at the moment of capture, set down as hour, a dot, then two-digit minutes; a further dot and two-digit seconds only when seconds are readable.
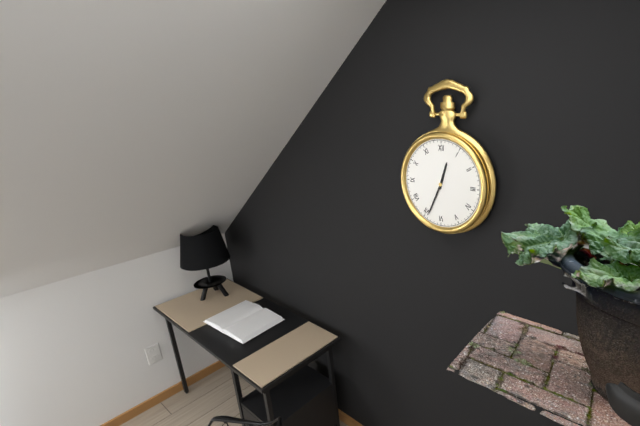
12.34
